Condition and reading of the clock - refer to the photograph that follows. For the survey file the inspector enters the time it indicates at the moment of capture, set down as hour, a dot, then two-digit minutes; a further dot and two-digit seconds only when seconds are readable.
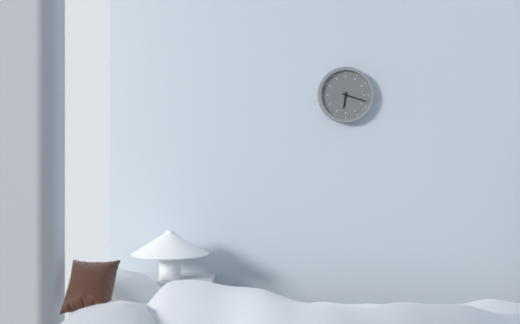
6.18
